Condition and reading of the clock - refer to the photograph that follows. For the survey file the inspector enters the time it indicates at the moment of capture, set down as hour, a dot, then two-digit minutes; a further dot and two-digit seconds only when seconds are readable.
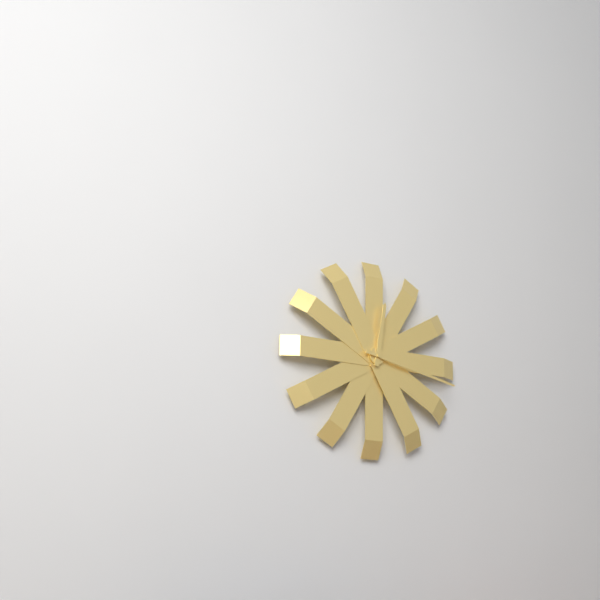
12.17
